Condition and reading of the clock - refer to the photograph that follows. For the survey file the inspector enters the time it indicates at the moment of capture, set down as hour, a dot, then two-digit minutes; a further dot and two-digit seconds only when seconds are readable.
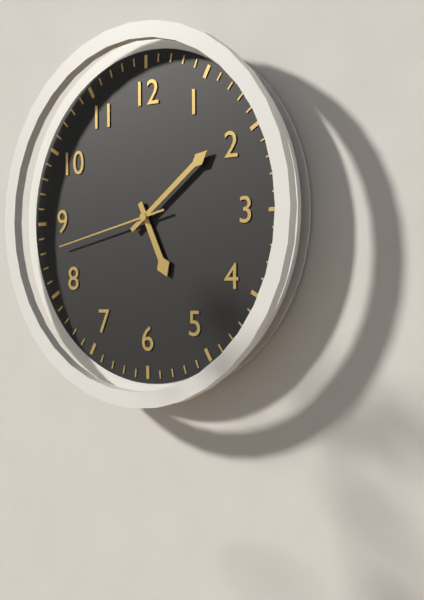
5.09.43
